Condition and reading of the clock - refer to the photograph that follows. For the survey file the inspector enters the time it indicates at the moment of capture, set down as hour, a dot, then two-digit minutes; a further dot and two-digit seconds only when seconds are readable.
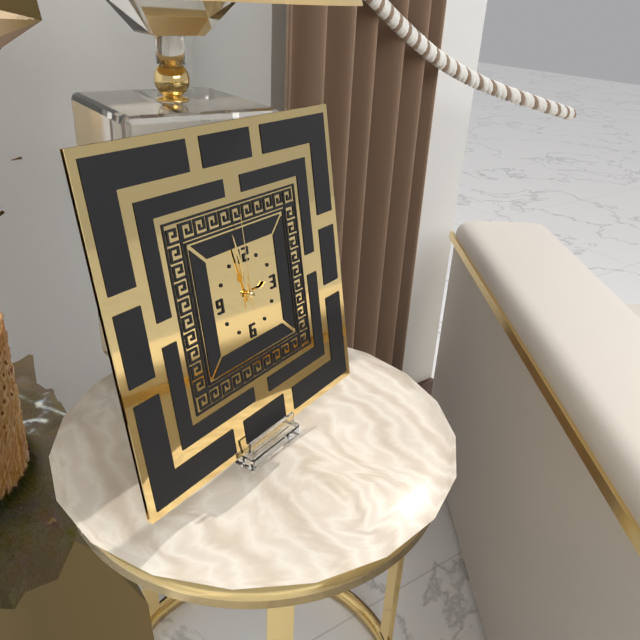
2.58.00
